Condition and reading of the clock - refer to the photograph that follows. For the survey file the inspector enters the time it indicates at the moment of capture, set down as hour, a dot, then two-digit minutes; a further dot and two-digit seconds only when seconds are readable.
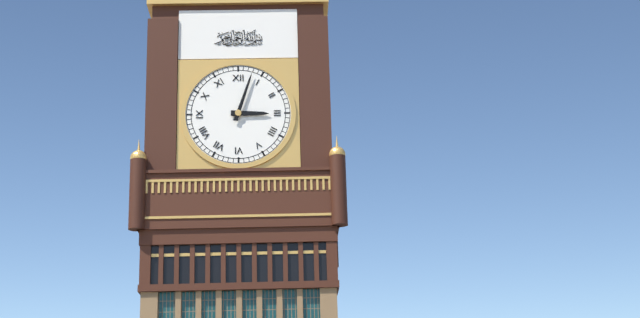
3.03
